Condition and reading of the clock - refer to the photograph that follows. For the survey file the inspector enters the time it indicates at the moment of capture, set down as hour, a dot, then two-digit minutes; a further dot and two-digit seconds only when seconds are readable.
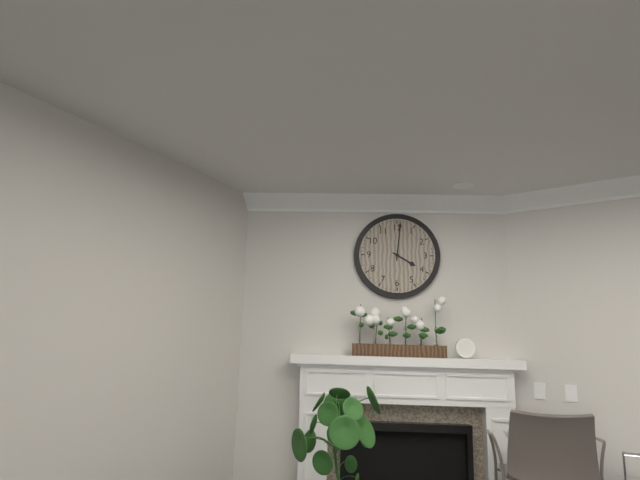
4.01
